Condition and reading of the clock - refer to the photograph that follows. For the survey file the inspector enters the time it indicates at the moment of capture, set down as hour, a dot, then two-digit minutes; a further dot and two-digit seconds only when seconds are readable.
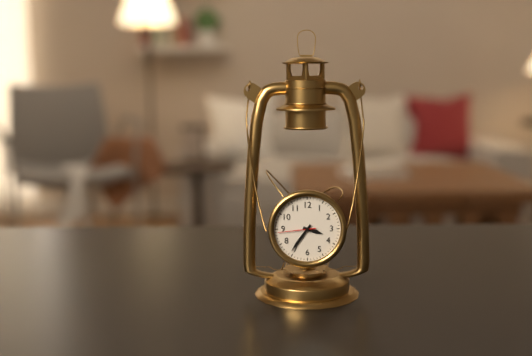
3.36
